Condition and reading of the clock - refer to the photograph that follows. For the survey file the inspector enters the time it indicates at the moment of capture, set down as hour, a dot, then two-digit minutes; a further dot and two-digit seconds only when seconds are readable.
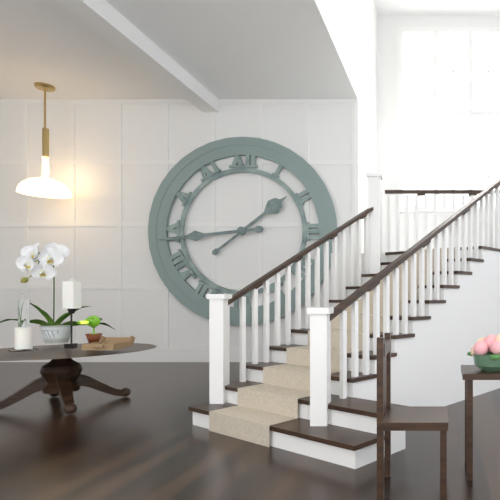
1.44
